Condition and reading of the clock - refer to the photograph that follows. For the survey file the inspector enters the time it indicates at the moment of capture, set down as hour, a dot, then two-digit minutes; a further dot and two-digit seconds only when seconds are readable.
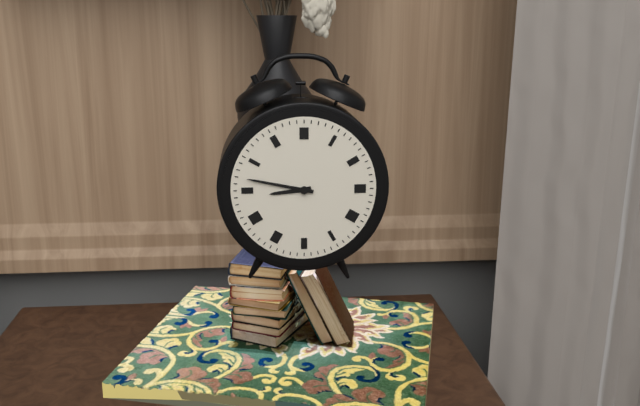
8.47
